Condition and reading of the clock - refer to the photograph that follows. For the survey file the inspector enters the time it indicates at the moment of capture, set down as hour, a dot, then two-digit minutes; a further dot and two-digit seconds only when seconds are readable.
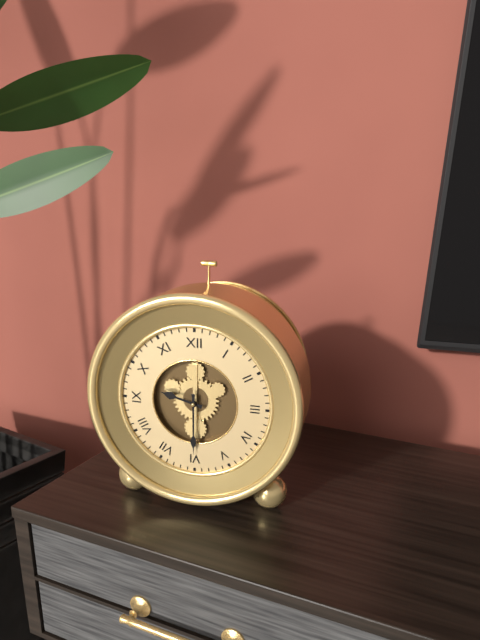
9.30
